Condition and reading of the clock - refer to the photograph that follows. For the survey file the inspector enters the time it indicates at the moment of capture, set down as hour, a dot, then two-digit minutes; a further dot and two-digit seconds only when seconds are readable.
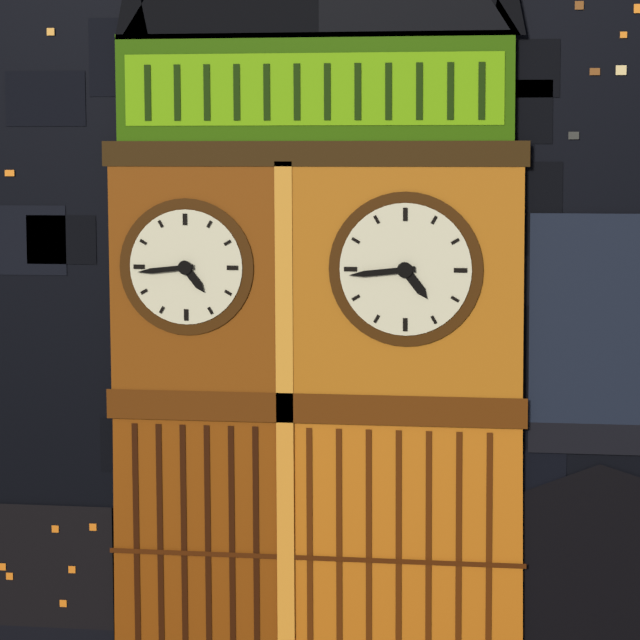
4.44
